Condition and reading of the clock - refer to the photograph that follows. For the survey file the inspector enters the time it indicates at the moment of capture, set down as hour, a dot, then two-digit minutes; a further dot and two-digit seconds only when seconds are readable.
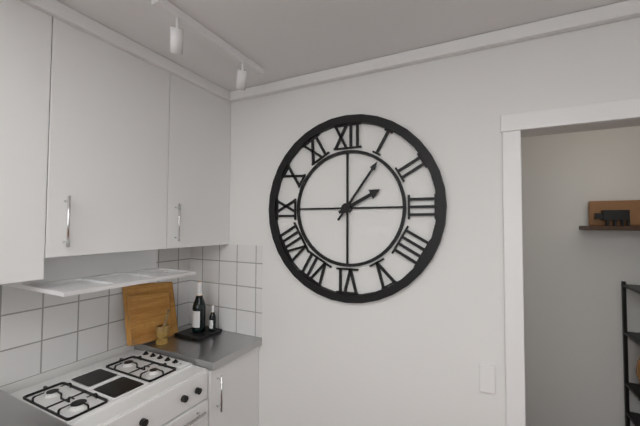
2.06
